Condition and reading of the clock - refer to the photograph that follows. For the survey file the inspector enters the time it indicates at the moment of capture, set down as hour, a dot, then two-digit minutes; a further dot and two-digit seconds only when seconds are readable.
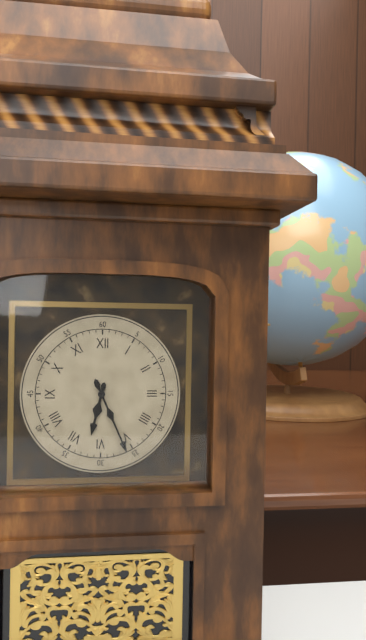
6.26
